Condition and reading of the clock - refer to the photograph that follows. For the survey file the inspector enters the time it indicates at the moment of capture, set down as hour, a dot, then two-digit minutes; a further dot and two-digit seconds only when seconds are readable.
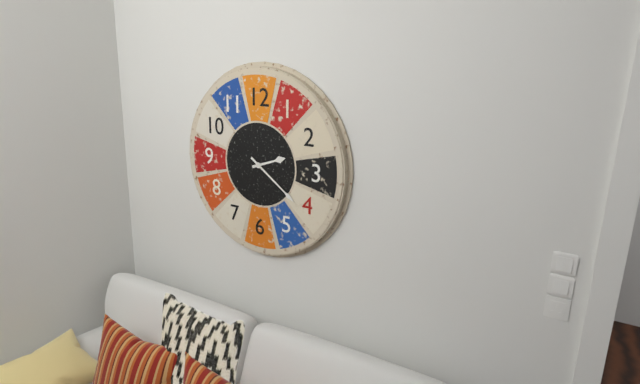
2.21
